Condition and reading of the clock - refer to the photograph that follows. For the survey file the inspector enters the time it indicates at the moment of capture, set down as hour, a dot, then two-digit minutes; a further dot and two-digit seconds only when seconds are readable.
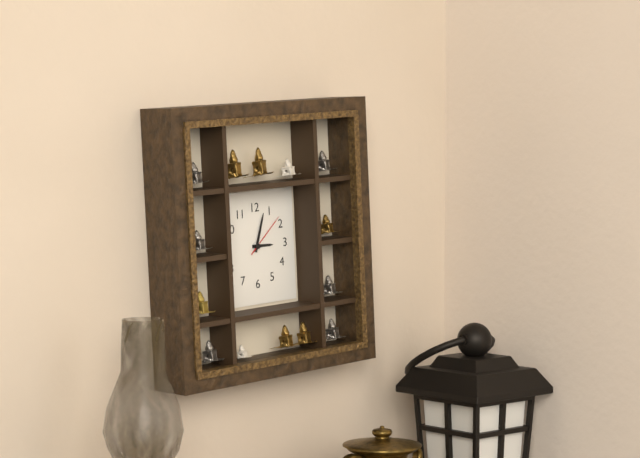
3.03
